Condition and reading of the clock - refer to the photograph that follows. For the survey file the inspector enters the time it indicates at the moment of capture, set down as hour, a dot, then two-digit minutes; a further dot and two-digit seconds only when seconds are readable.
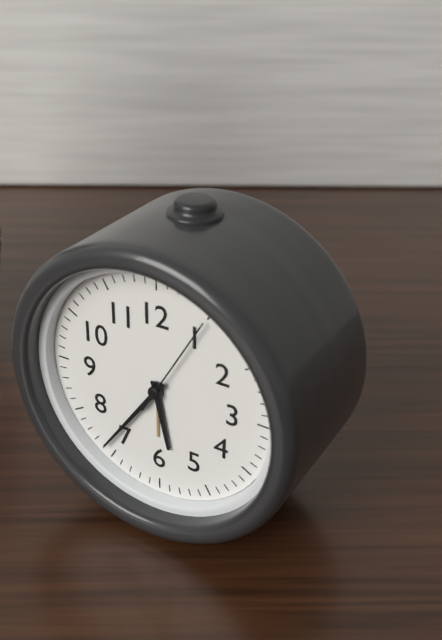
5.36.05
